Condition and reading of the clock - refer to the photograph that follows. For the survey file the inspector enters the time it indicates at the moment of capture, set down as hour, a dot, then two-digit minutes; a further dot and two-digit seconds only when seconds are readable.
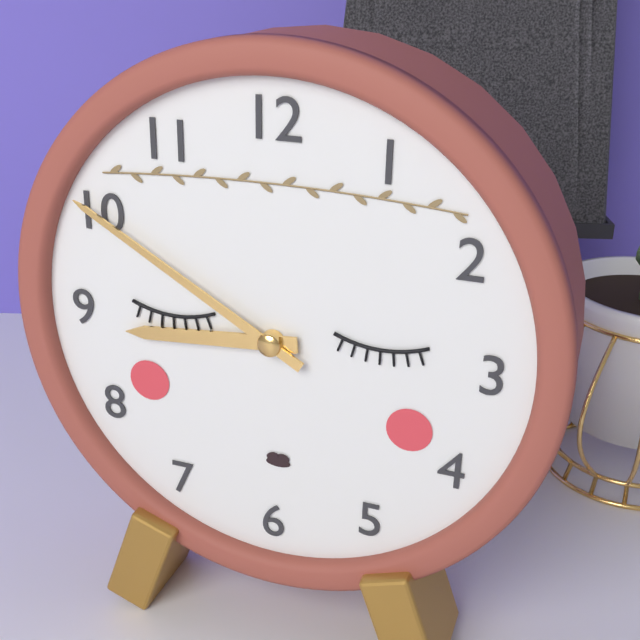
8.50
